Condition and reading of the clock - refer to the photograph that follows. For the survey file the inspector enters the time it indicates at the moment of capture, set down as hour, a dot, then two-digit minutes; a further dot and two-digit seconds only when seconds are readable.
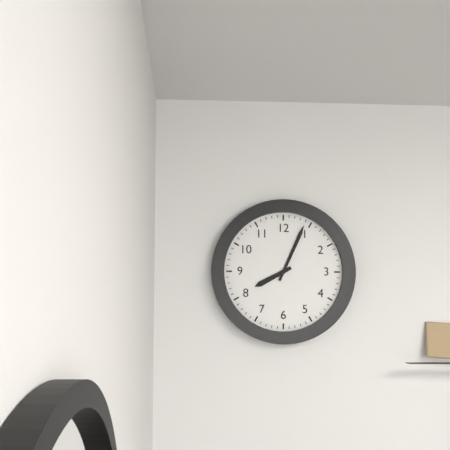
8.04
